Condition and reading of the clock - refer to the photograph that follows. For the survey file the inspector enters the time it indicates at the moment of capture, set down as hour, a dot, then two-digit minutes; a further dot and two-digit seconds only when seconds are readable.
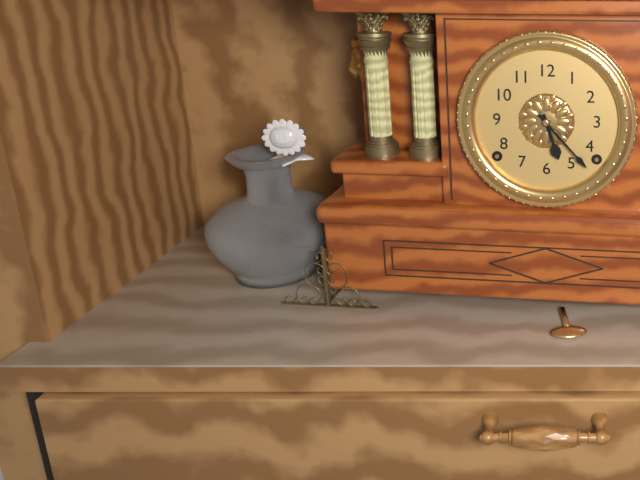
5.23
